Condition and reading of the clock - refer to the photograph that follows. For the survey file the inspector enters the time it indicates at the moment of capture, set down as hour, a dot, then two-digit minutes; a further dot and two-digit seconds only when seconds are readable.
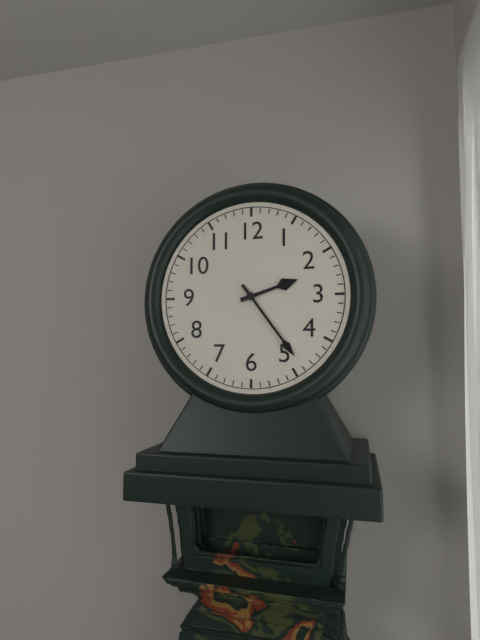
2.24
